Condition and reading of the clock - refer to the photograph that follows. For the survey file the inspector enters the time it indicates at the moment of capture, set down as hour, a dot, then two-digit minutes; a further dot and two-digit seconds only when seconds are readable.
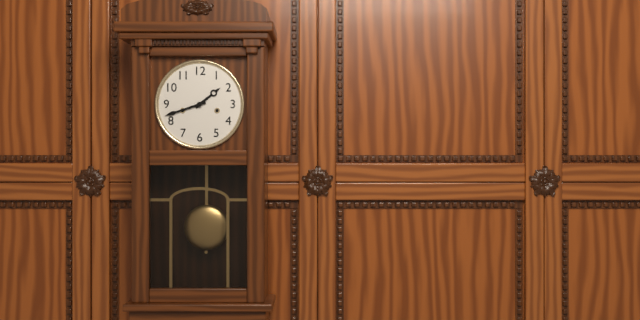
1.42
